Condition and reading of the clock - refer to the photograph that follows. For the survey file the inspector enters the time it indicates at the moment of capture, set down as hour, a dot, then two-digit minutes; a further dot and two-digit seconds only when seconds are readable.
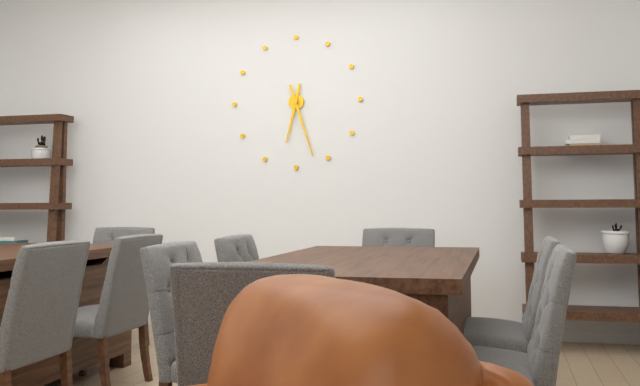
6.27
